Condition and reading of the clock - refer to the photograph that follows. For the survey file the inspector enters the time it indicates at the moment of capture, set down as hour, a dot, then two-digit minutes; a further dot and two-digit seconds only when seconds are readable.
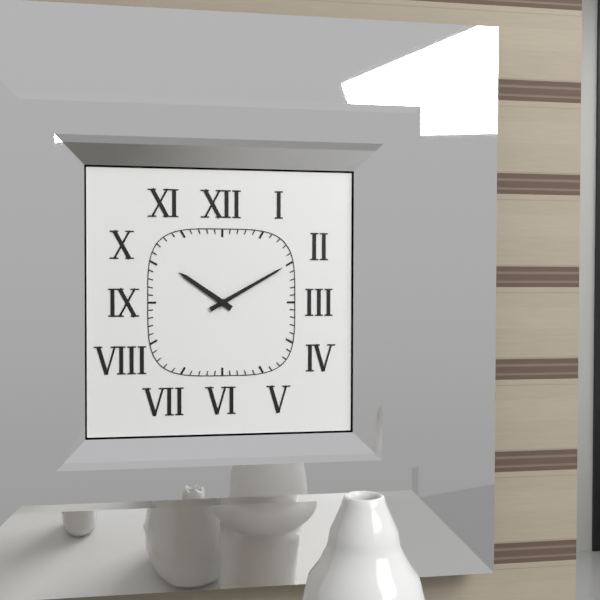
10.10
